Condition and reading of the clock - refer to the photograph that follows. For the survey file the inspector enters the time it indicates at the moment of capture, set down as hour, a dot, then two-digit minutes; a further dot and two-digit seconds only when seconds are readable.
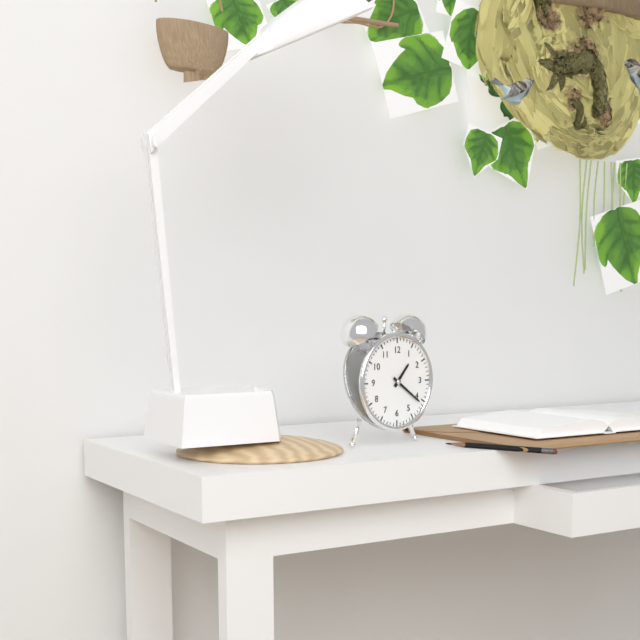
1.21
